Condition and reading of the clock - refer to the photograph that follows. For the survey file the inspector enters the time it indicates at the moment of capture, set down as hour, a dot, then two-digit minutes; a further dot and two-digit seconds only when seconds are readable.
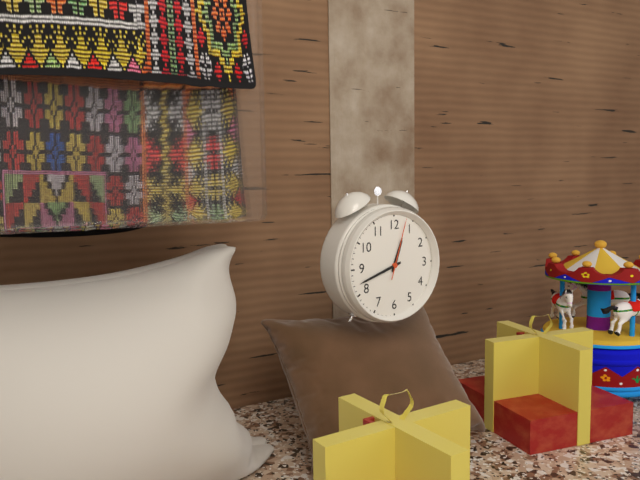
12.42.03
